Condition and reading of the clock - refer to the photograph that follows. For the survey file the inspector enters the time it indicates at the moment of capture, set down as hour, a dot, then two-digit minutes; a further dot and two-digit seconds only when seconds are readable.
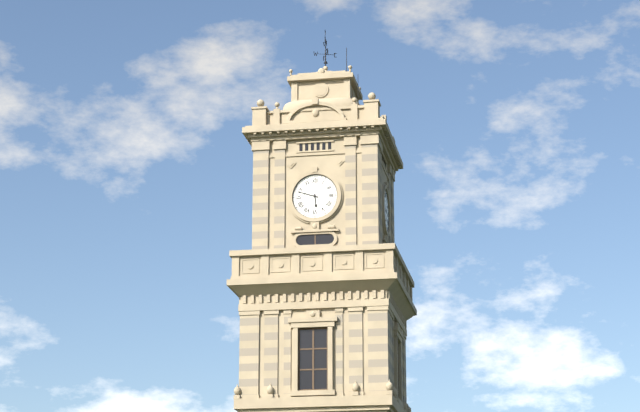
5.48
